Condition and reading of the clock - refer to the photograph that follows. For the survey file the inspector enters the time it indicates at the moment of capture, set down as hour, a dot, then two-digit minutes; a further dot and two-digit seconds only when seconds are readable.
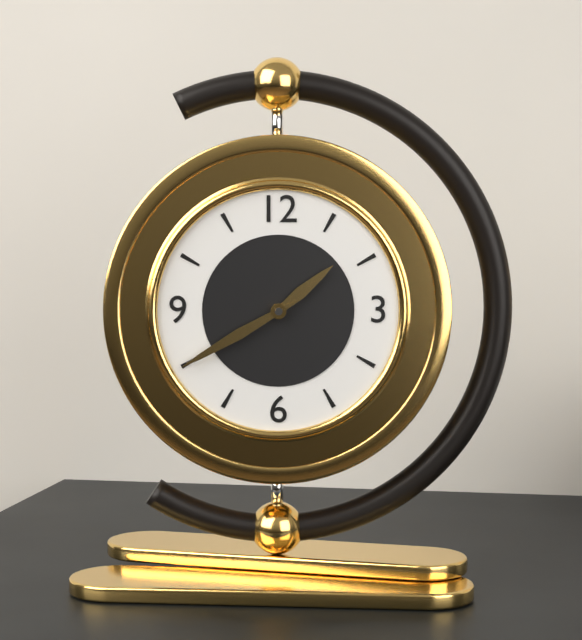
1.40
